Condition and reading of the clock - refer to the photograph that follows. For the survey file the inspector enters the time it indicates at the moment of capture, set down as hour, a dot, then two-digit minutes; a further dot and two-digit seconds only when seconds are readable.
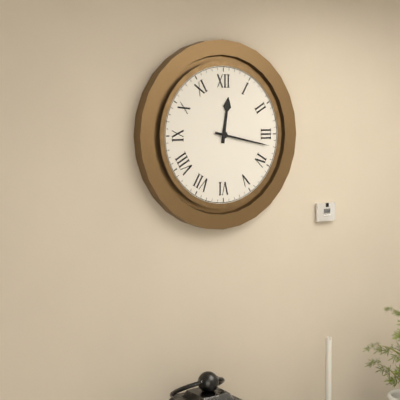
12.17
